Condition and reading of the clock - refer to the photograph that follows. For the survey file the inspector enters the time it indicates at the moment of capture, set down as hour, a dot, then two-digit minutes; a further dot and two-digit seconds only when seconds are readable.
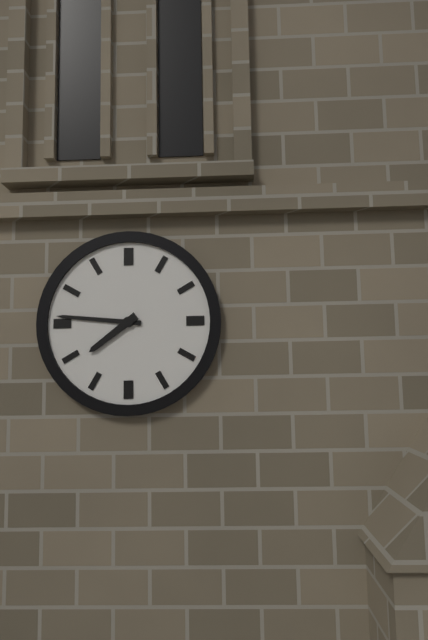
7.46
